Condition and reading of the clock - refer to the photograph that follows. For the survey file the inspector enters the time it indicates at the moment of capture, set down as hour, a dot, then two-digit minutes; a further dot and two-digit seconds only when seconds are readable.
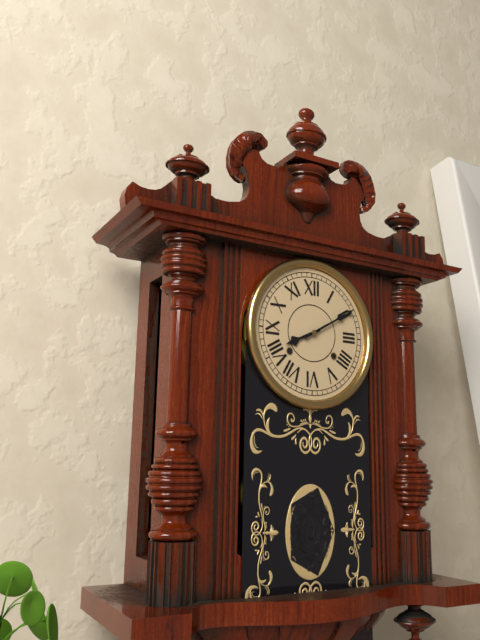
8.10
